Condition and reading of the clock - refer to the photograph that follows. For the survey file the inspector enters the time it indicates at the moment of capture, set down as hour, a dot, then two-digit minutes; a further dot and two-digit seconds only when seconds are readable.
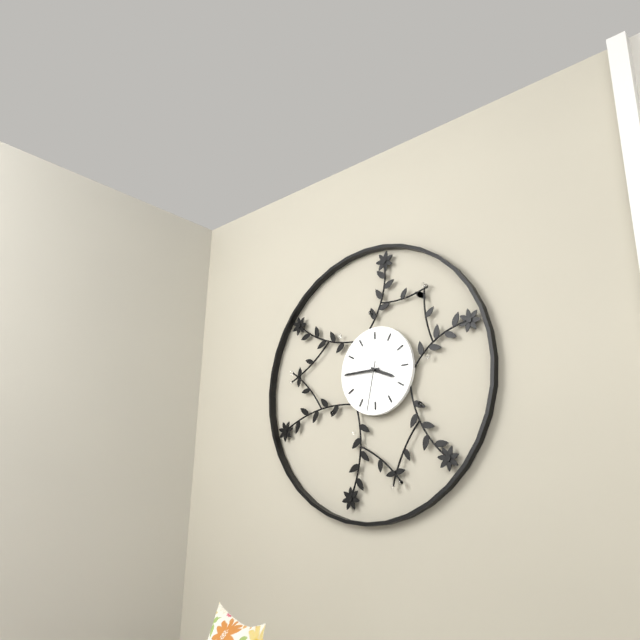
3.45.32
